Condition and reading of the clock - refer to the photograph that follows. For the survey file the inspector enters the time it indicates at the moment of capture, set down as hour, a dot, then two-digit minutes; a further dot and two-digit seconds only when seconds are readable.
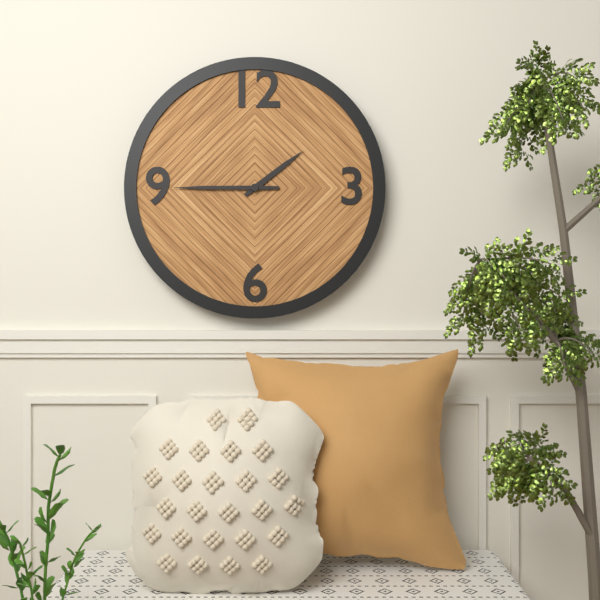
1.45
